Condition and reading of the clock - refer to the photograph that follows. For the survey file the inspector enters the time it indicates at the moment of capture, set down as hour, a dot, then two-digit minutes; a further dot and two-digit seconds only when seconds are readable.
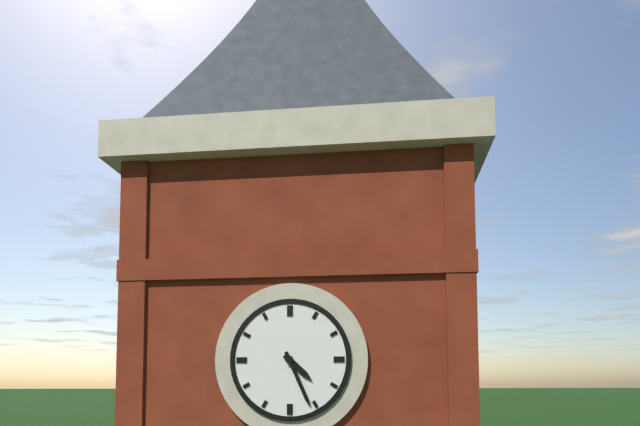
4.26
